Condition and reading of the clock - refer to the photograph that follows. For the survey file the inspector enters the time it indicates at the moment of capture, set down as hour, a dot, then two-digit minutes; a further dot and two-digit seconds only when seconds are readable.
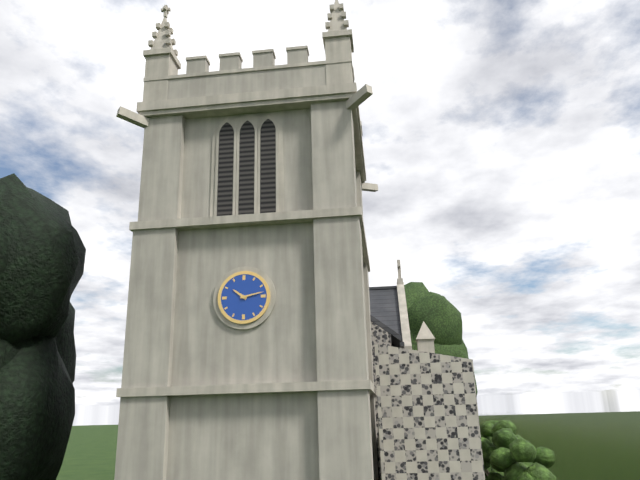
10.13
